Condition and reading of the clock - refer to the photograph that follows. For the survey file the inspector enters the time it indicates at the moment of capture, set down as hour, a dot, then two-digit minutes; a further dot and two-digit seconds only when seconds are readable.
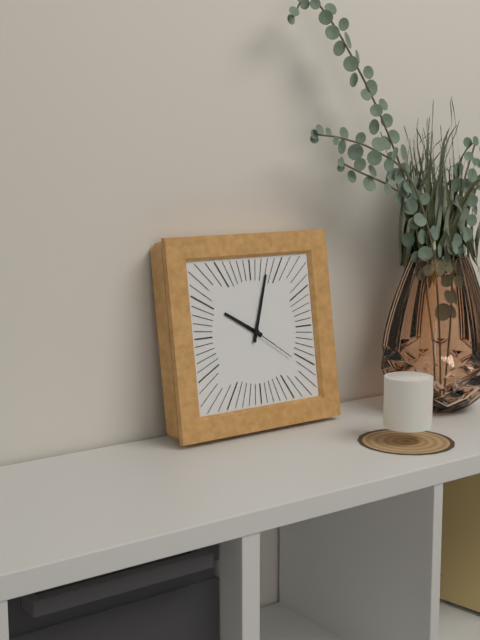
10.03.21
